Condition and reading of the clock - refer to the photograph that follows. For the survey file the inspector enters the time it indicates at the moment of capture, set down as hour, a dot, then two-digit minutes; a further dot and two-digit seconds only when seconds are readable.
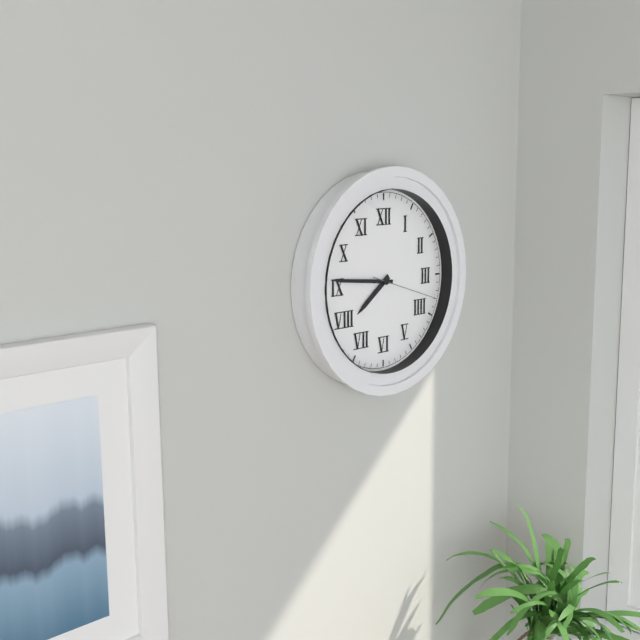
7.46.18
